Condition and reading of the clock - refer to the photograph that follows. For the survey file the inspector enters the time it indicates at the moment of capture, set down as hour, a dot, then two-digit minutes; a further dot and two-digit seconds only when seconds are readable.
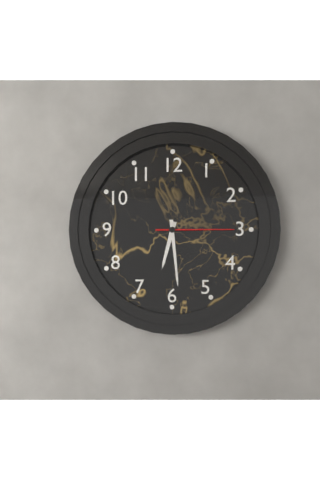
6.29.15
